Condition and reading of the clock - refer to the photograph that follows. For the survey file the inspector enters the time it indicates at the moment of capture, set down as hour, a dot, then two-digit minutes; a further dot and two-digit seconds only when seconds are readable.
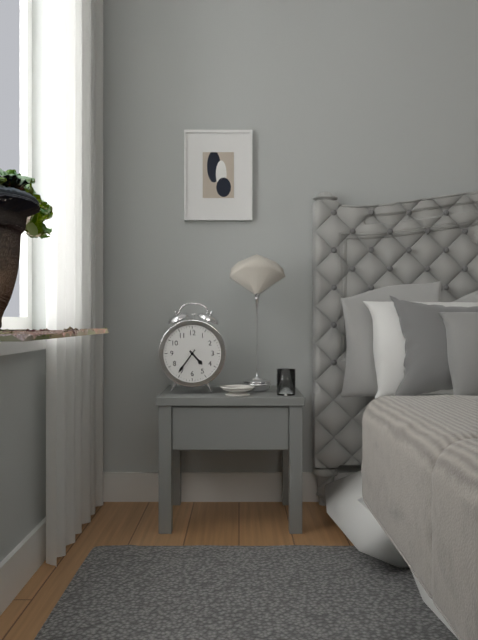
4.36
